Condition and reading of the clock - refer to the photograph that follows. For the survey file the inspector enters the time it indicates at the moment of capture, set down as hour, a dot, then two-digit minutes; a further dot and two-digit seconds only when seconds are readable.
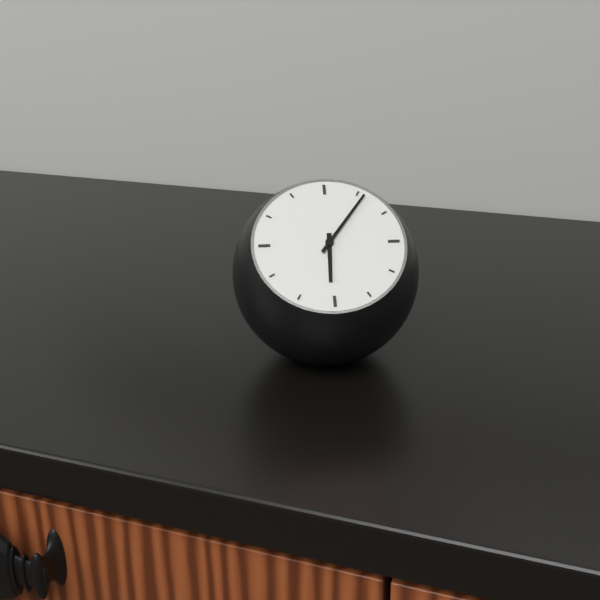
6.06
